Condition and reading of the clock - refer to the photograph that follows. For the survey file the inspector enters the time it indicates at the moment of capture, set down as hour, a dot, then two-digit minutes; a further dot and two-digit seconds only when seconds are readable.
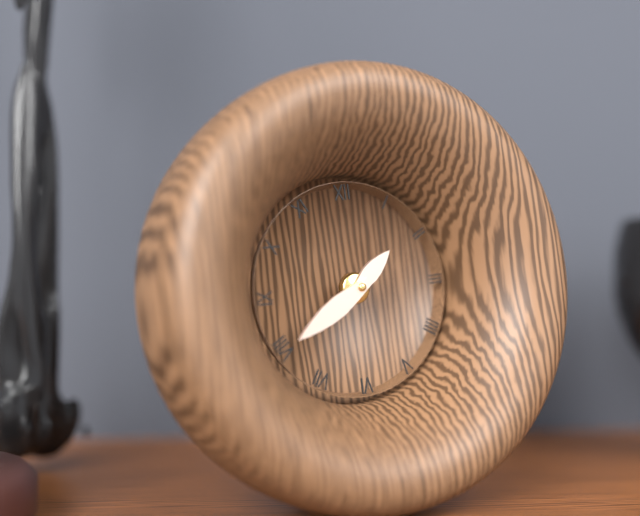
1.40
